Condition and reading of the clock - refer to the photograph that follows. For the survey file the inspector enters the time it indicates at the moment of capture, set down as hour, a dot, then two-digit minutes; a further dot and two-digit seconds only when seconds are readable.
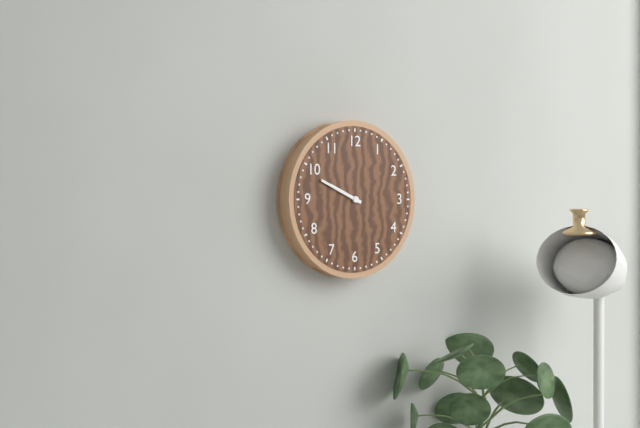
9.49
